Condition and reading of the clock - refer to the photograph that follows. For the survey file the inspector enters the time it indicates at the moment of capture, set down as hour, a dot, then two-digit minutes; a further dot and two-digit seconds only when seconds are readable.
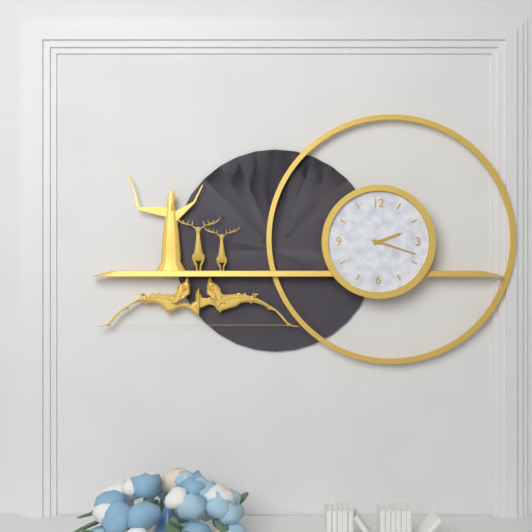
2.18
